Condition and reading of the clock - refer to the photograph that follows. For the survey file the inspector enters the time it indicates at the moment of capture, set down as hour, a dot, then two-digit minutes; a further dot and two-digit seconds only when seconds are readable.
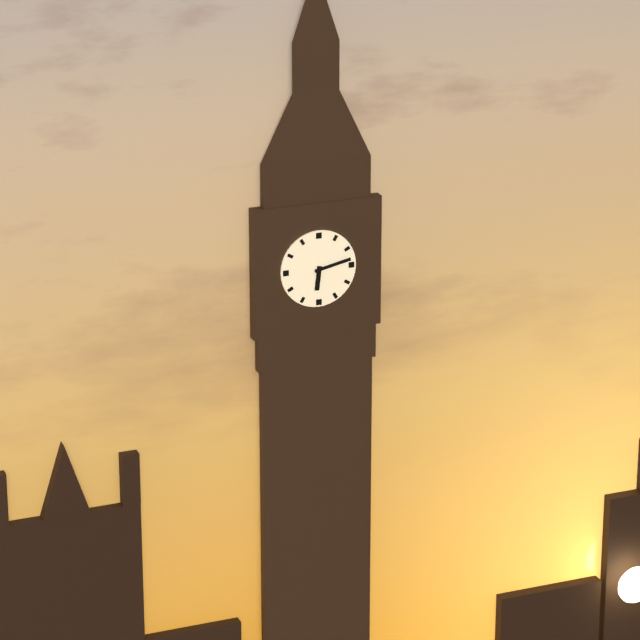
6.13
